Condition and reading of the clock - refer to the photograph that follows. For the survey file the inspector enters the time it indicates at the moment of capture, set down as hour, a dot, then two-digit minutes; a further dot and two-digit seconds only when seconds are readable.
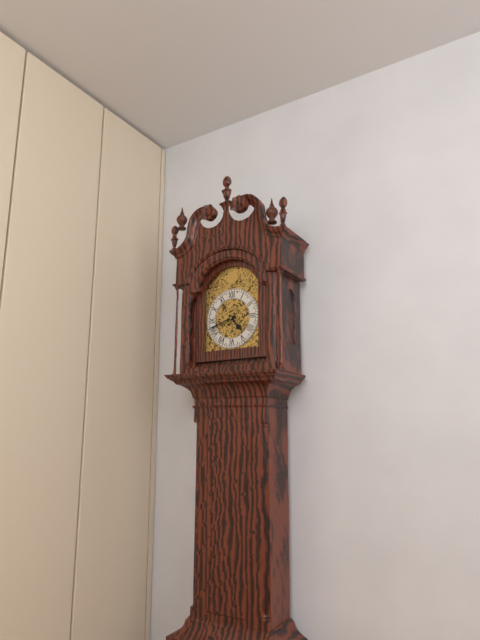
4.42
